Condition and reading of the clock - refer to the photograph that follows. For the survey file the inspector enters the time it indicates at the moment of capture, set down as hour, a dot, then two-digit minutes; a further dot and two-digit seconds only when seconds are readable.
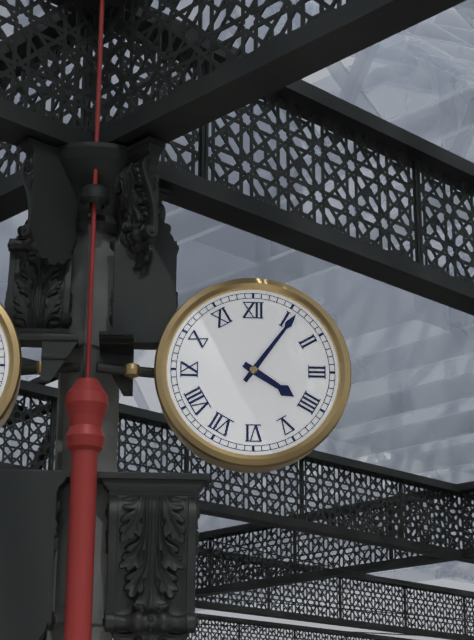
4.06
